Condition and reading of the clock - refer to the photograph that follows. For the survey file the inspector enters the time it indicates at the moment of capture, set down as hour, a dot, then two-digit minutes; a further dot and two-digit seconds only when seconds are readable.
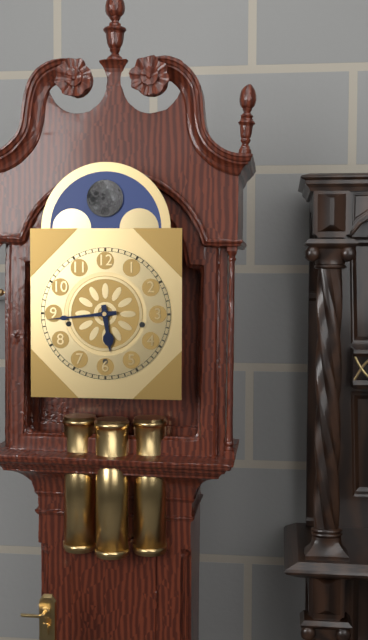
5.44
